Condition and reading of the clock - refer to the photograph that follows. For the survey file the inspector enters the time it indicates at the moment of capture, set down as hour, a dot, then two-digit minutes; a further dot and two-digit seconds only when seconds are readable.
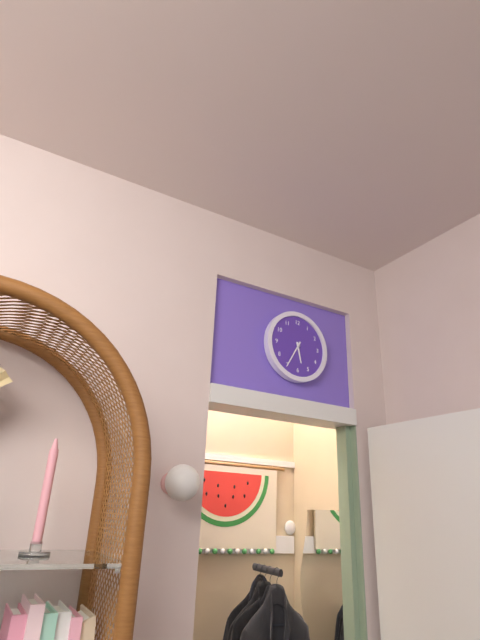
5.35
